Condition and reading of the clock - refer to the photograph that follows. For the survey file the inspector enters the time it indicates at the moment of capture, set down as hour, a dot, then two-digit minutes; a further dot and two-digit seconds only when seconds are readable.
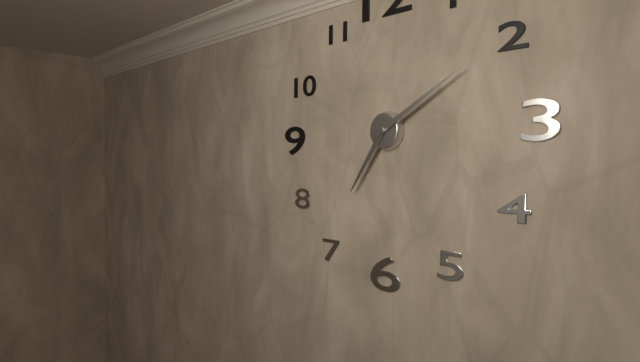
7.10
